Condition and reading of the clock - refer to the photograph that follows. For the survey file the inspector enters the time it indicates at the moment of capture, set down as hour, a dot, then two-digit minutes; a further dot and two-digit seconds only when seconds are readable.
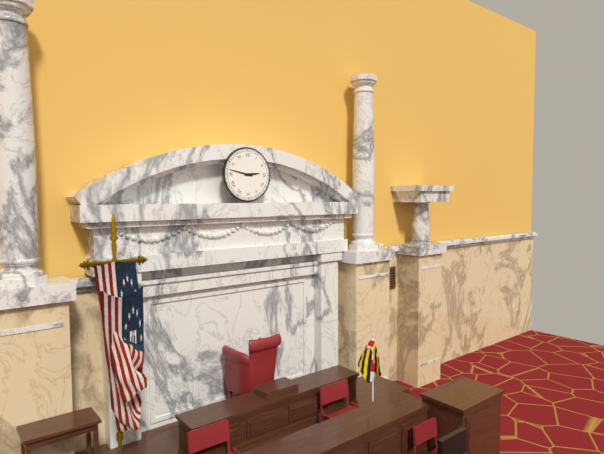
2.47
